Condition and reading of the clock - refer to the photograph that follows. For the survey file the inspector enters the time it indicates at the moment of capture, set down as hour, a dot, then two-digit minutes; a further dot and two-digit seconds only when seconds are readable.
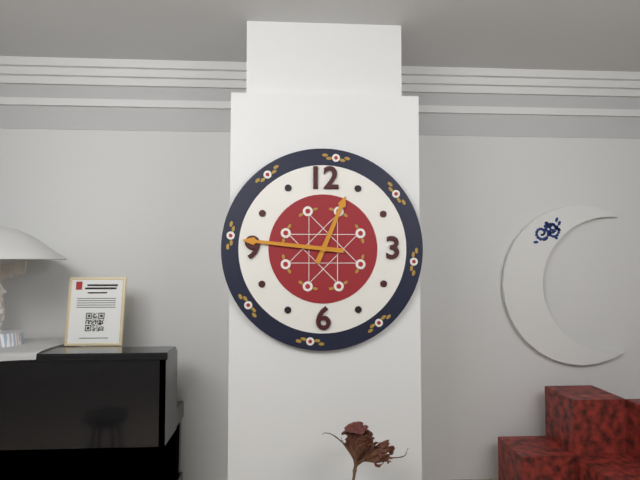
12.46
